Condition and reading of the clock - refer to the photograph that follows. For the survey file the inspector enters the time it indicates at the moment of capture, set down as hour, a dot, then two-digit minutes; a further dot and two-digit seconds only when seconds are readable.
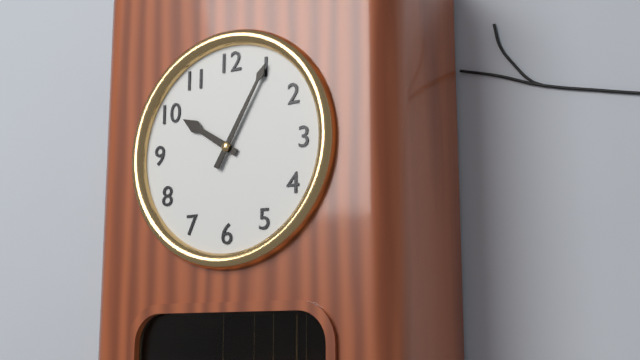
10.05
